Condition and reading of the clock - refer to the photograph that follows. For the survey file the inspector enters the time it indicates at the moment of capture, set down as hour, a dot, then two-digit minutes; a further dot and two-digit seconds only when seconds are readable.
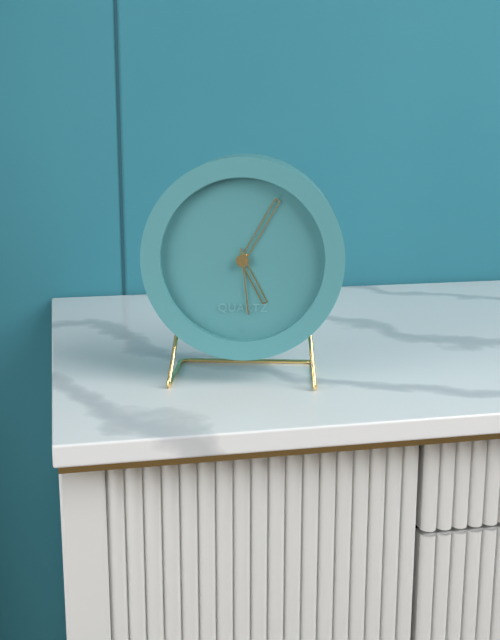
5.05.29
